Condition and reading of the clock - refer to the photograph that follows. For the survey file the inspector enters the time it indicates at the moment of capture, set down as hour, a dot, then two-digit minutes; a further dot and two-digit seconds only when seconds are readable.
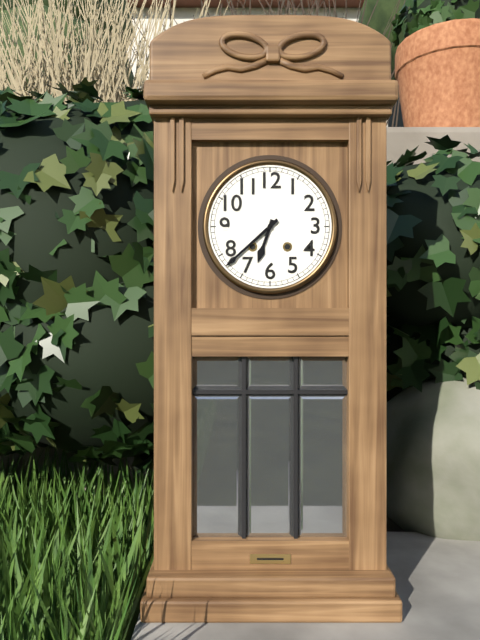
6.38
